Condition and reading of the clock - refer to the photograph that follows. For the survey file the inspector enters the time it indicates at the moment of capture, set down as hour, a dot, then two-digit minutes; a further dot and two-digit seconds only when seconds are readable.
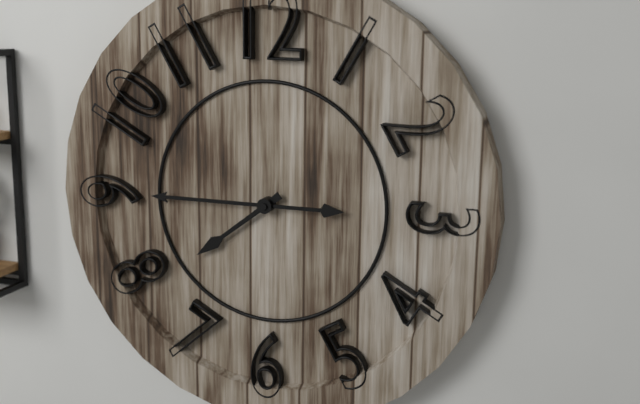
7.45
